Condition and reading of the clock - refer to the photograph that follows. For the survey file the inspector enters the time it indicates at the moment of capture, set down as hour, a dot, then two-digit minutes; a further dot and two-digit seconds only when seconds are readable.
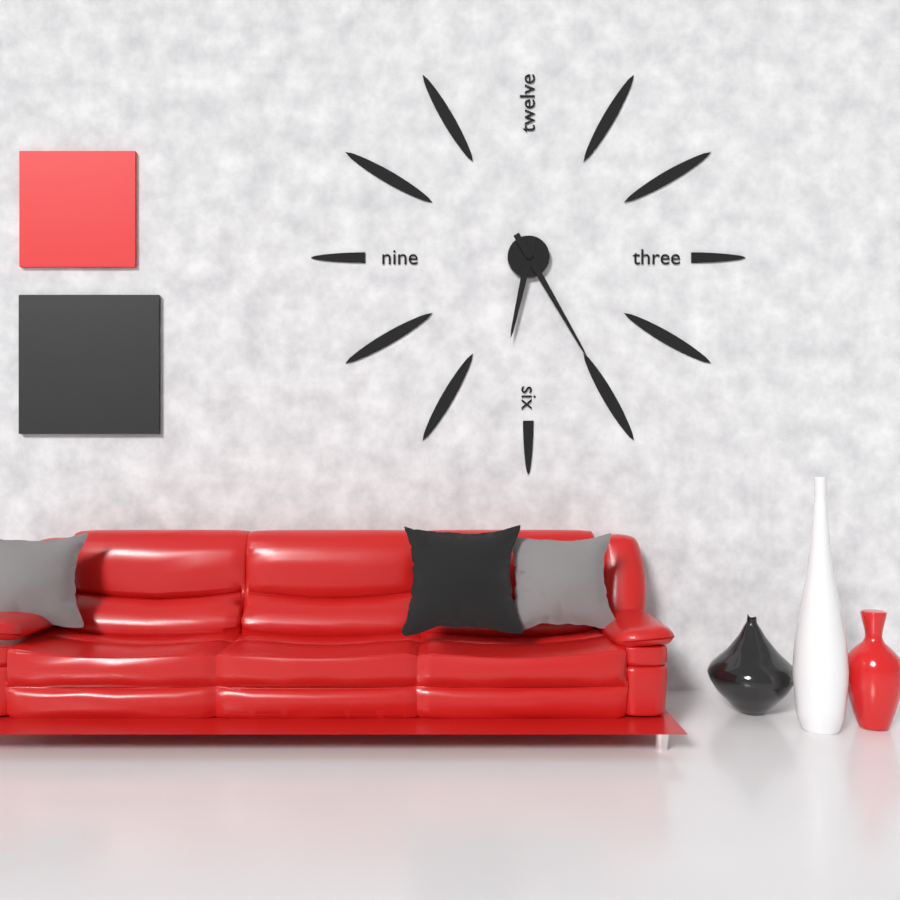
6.25
